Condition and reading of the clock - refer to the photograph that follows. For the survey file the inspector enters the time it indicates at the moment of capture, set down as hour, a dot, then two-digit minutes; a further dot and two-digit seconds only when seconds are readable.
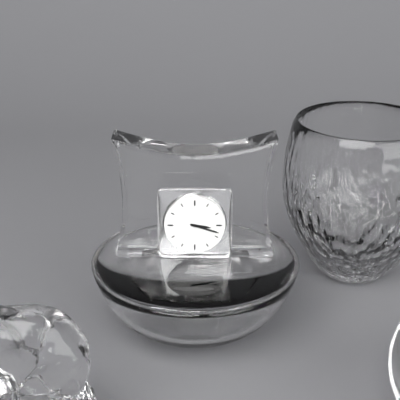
3.18
